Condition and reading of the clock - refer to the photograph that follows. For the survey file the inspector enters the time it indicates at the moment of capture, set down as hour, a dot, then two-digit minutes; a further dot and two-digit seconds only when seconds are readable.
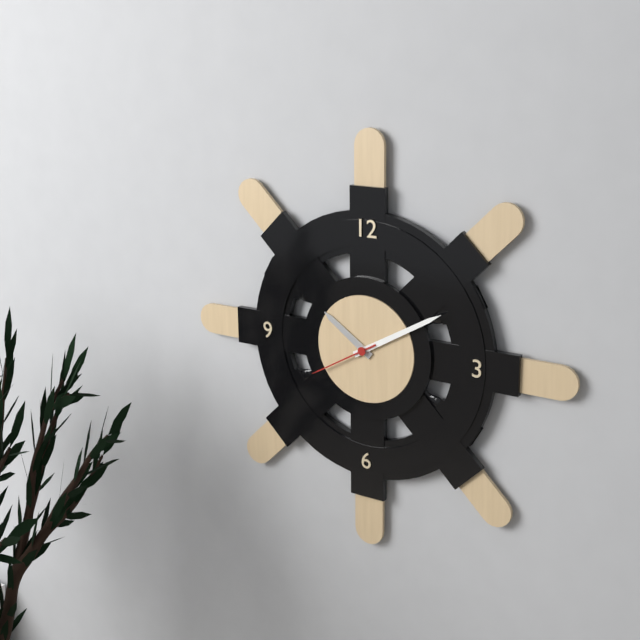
10.10.40
